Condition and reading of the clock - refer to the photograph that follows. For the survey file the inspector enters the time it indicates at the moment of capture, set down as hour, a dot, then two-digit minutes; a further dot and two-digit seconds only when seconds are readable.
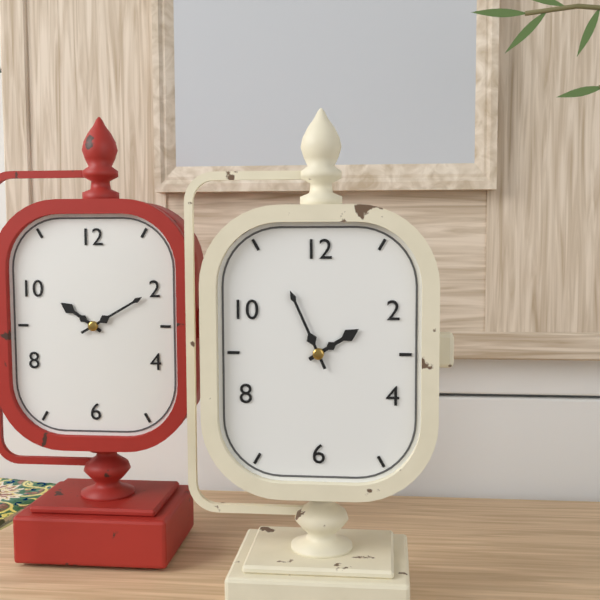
1.56
